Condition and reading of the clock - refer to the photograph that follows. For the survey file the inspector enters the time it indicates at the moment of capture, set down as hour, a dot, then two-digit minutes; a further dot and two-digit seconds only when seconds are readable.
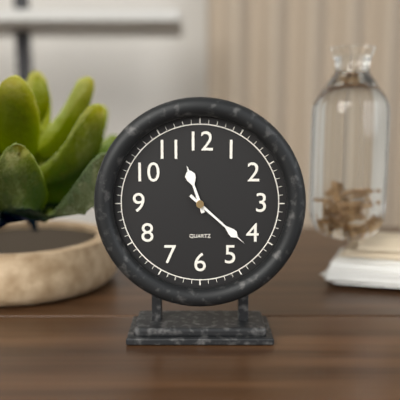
11.22
